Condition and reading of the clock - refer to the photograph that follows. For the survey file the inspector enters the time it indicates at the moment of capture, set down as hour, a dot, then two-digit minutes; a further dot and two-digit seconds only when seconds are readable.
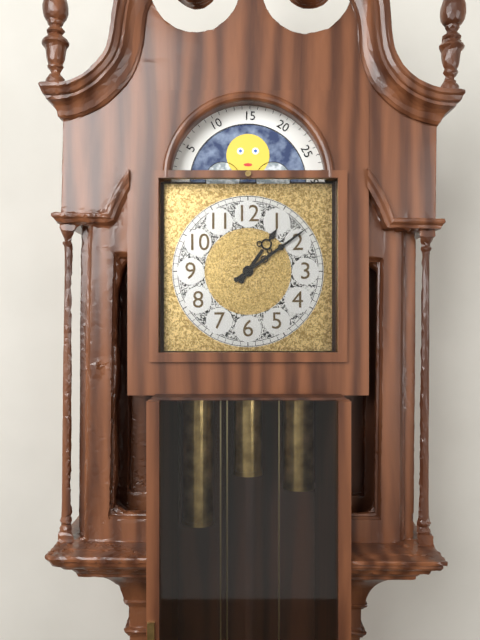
1.09
